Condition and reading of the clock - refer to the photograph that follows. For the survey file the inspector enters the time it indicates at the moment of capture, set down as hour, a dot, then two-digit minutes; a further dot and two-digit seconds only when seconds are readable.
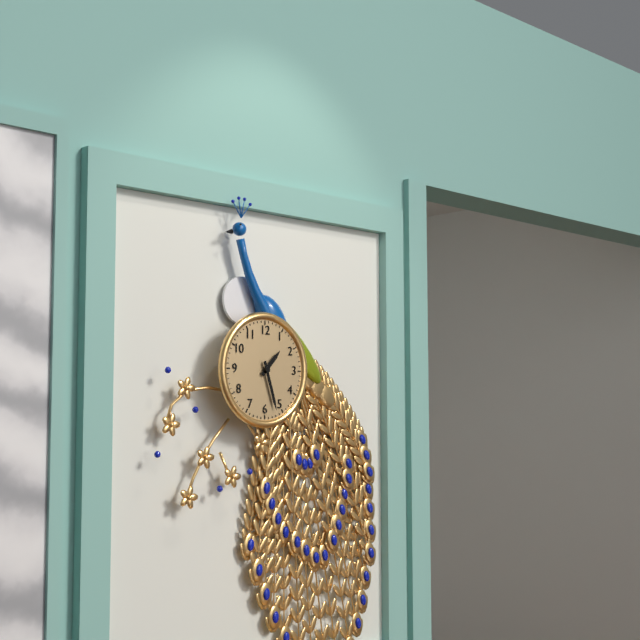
1.27
